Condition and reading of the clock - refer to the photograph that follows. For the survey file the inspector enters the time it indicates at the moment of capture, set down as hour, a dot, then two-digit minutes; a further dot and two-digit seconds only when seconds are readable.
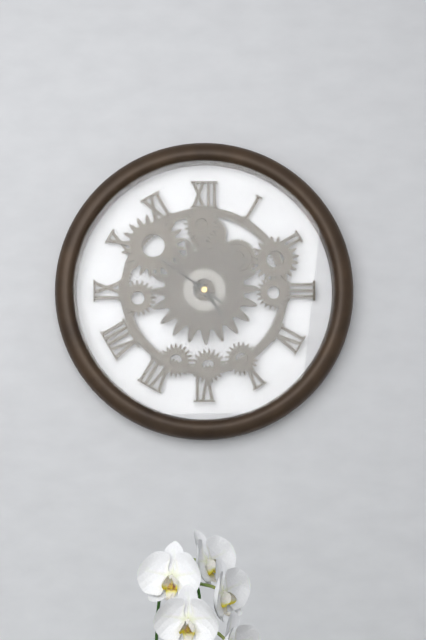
4.51
